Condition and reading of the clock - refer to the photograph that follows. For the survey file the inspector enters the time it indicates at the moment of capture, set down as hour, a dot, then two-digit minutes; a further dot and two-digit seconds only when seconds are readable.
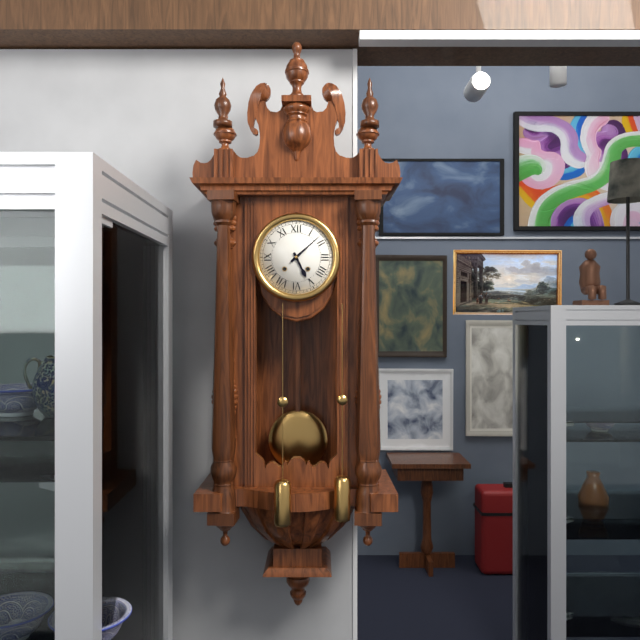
5.08
